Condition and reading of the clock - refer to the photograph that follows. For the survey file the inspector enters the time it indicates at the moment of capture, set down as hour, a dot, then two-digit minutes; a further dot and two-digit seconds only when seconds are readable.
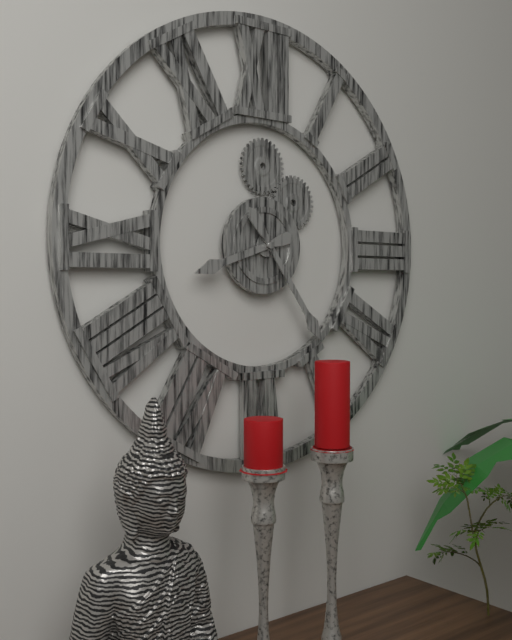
8.24
